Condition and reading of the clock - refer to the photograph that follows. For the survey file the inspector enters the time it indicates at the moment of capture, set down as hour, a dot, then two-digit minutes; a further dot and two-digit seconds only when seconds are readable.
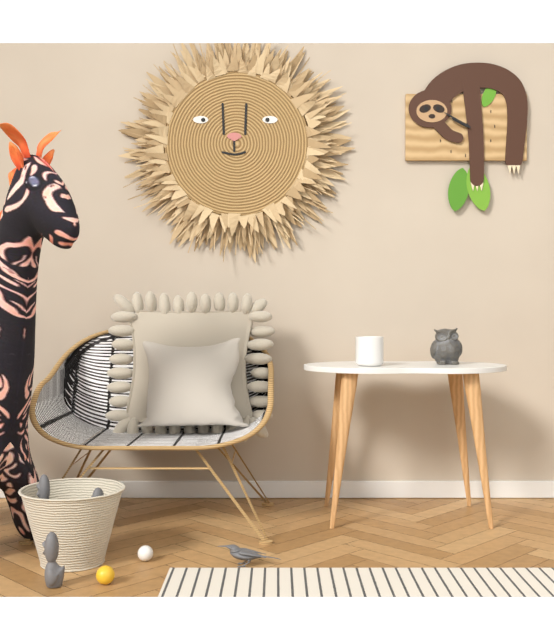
9.50
